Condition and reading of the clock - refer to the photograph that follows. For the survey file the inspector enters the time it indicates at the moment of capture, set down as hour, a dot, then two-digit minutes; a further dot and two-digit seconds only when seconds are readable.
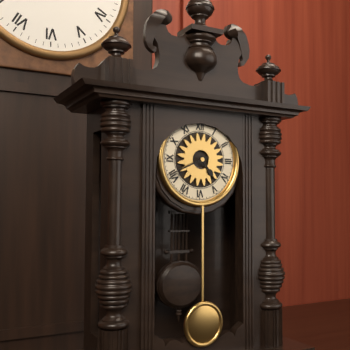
4.41
